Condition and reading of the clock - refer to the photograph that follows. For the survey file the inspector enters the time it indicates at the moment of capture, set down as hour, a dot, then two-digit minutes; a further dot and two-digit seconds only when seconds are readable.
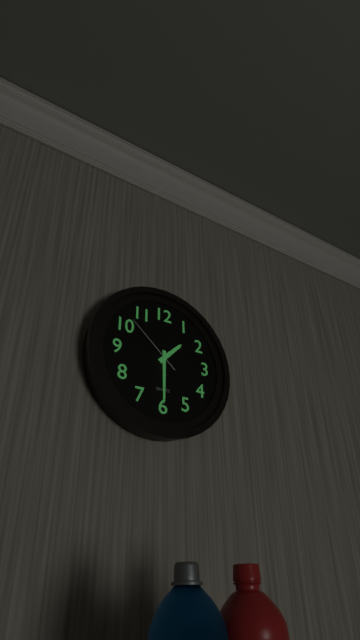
1.30.52
